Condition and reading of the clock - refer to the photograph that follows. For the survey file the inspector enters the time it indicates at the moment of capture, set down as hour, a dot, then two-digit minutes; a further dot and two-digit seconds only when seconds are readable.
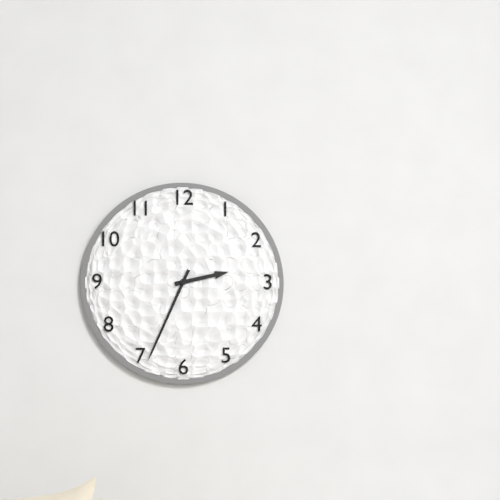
2.34
